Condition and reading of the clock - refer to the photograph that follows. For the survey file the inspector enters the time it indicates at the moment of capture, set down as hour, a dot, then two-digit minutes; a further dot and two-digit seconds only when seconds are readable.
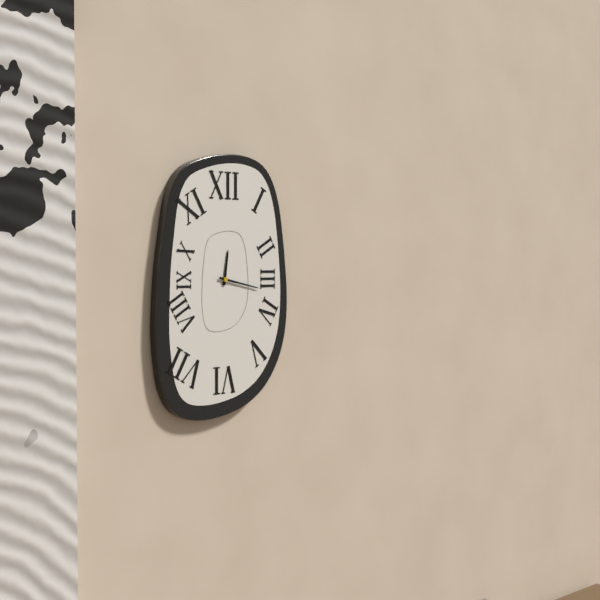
12.17
